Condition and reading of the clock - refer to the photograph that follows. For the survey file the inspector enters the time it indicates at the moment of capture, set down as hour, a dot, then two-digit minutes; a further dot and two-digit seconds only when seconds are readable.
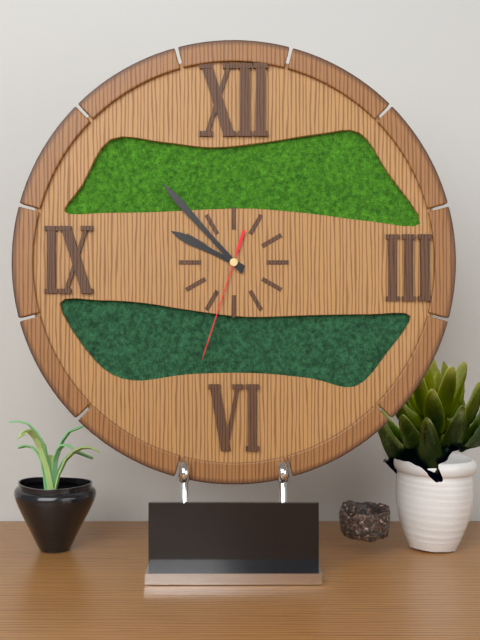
9.53.33
